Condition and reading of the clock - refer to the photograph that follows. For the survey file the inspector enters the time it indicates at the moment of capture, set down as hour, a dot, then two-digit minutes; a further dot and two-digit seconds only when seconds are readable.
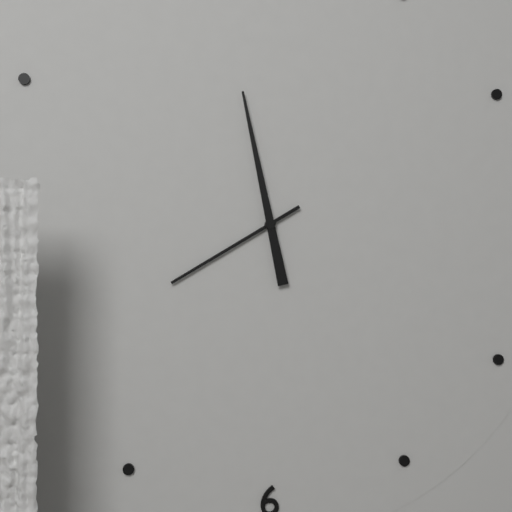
7.58
